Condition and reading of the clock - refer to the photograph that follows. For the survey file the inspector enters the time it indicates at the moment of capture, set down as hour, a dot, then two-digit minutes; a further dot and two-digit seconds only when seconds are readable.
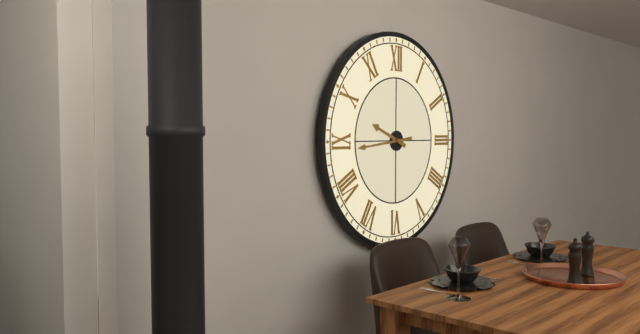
9.44
